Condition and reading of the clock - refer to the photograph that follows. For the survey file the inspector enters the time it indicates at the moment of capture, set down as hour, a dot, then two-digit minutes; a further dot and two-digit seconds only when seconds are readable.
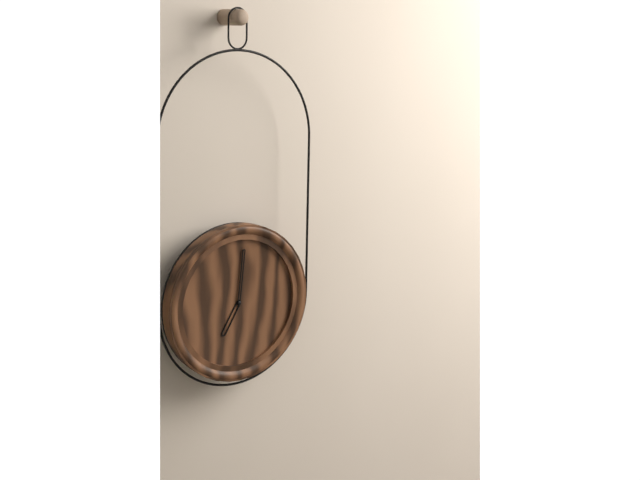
7.01
